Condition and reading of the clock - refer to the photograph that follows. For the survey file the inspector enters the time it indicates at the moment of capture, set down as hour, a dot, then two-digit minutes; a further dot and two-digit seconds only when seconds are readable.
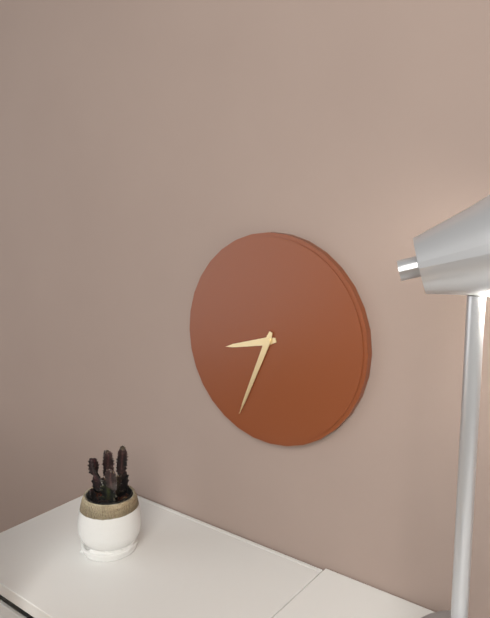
8.34
